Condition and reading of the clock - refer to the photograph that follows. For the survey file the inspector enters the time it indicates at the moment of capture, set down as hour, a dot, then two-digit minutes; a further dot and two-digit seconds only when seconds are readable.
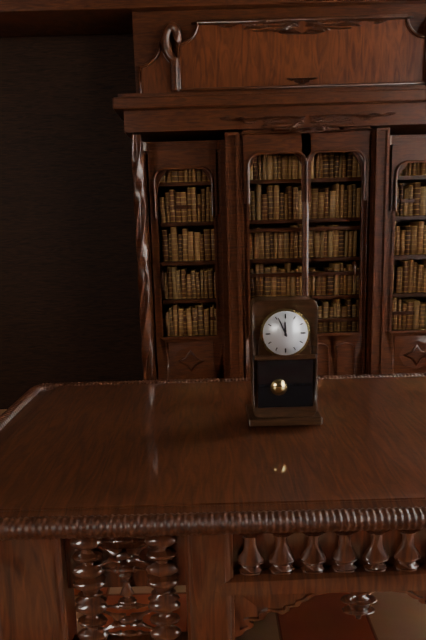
11.56
